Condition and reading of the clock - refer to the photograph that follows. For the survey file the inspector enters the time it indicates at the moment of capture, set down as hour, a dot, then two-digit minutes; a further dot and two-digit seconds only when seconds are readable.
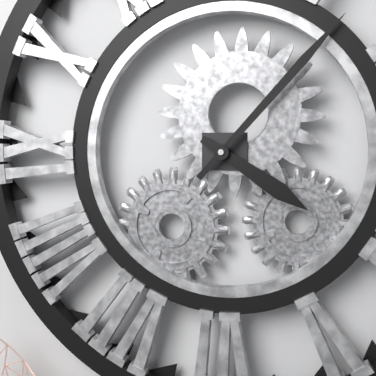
4.07
